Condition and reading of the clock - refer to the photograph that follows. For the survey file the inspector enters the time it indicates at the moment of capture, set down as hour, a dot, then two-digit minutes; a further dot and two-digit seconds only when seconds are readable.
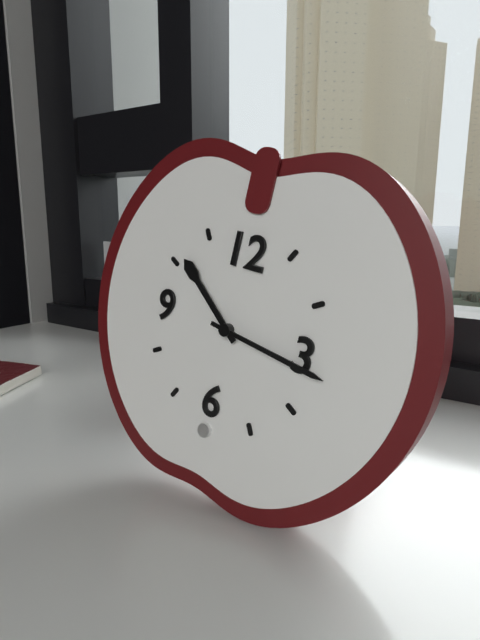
10.16
